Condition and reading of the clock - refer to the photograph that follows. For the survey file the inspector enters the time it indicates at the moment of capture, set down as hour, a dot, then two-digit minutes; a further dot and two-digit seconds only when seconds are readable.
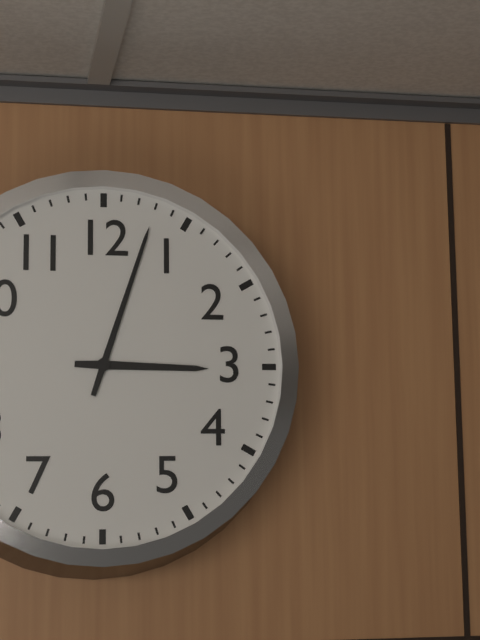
3.03
